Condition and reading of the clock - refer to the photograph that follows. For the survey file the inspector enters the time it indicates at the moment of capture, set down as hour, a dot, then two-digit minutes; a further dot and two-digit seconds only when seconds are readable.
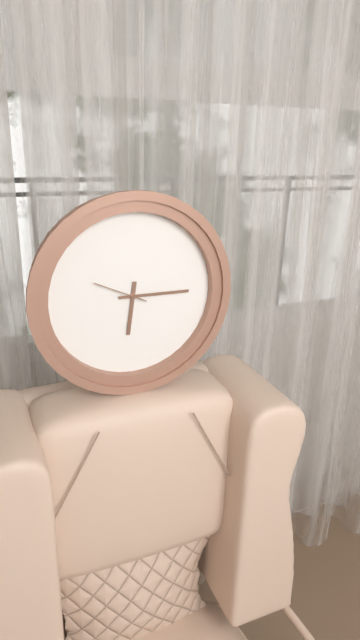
6.15.49
